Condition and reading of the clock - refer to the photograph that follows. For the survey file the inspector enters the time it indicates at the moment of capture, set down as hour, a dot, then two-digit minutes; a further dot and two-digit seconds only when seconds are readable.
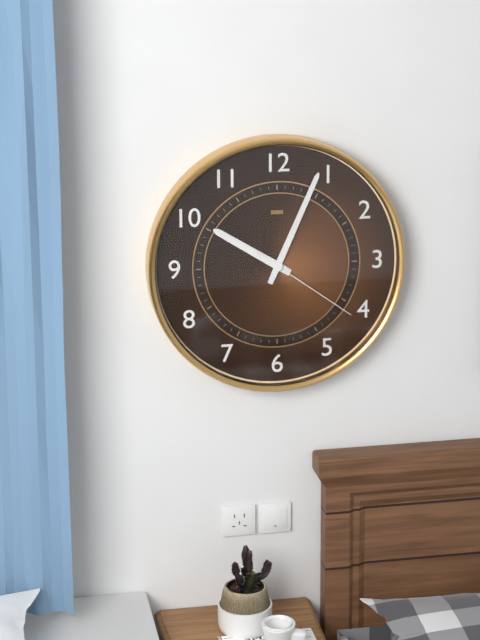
10.04.21
